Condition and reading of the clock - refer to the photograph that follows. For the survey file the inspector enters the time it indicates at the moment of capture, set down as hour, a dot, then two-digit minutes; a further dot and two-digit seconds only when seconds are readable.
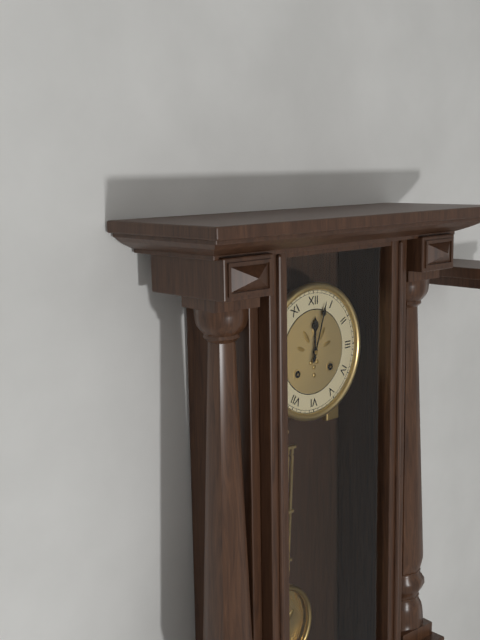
12.03
